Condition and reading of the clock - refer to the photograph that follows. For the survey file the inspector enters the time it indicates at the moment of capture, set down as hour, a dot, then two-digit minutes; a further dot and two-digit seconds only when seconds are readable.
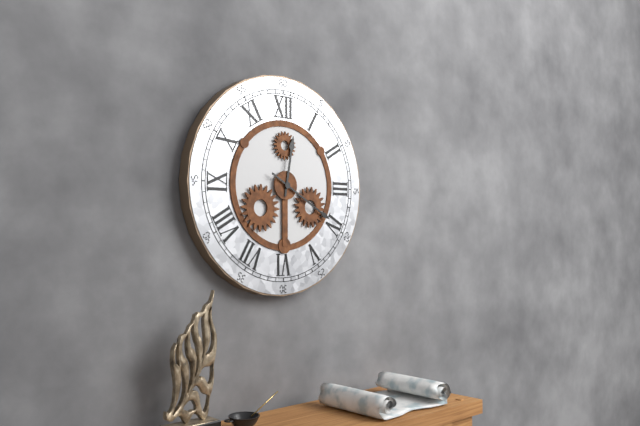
12.20
